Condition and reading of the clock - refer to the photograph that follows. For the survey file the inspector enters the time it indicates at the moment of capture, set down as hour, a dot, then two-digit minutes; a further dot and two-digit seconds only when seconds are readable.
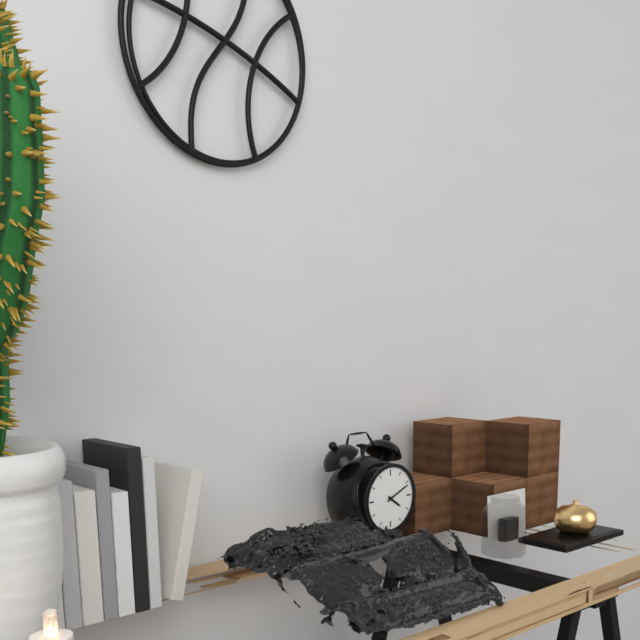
4.11
